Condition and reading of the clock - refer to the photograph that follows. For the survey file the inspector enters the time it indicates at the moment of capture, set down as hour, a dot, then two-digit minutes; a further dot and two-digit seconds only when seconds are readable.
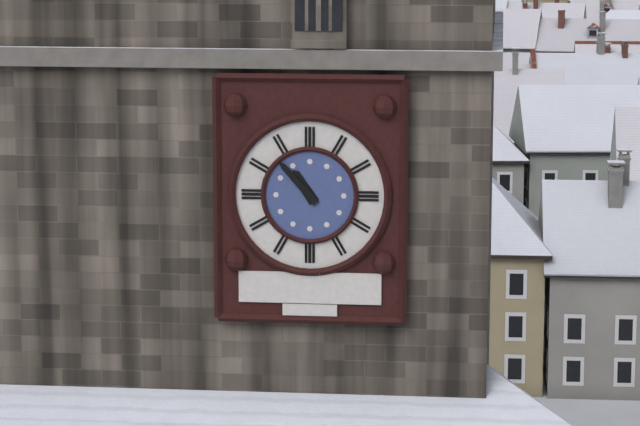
10.53
